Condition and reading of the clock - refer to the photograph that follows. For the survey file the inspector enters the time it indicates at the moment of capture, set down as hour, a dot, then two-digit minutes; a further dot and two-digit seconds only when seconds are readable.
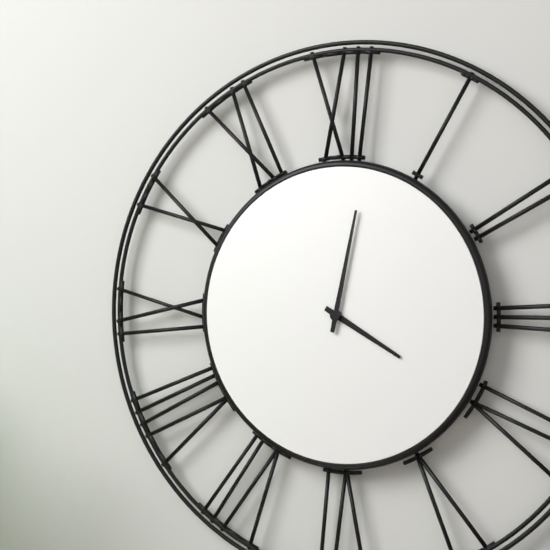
4.02
